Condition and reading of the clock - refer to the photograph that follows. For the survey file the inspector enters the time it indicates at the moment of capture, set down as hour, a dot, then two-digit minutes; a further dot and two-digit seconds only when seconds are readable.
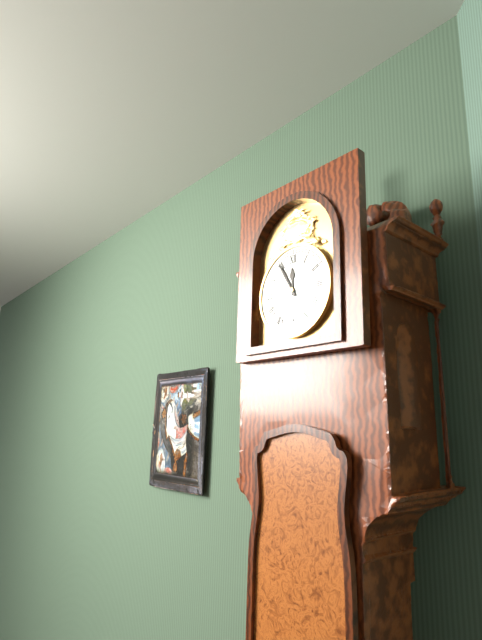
11.55
